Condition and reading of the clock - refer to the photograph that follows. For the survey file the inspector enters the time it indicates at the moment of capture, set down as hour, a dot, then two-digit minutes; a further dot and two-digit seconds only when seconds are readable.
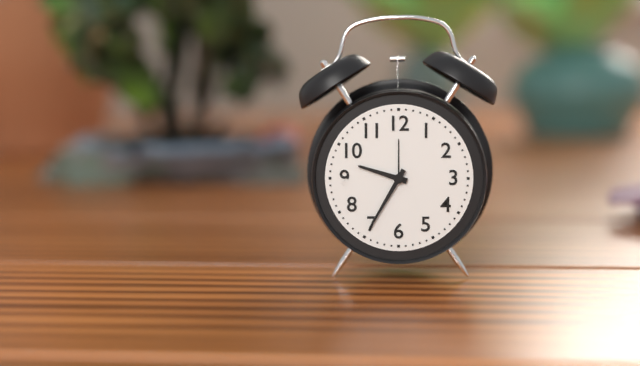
9.35
